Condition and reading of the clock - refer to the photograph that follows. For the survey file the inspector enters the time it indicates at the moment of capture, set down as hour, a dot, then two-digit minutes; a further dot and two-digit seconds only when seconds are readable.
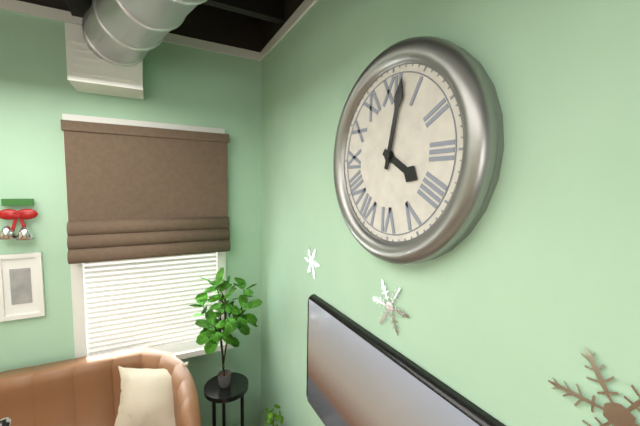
4.02
